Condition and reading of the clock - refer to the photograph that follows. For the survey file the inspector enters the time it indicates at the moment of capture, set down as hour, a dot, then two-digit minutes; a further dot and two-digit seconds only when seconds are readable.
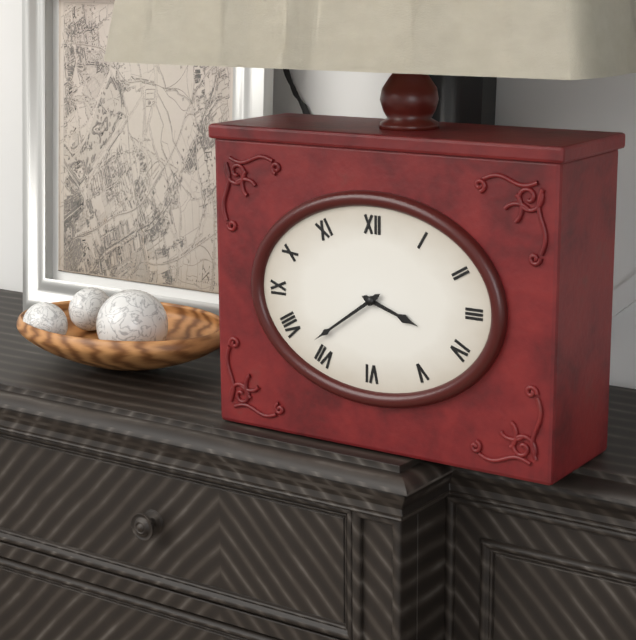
3.39
